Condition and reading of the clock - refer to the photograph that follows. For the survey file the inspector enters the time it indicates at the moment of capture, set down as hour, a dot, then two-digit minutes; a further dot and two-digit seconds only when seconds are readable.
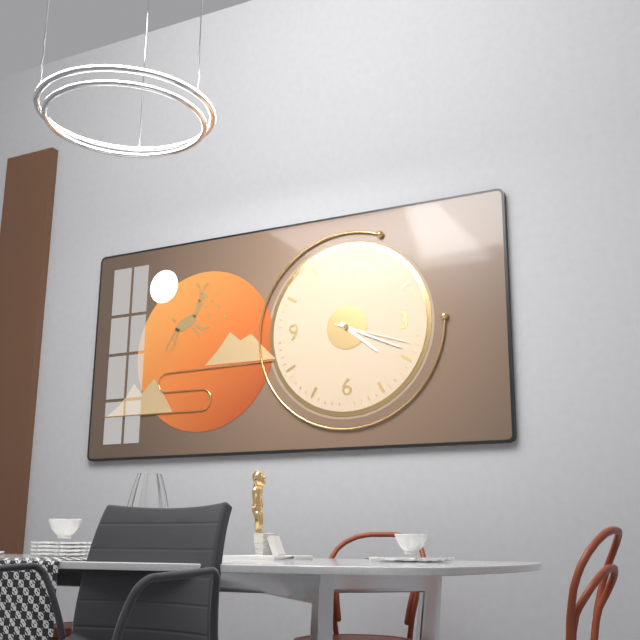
4.19.18
